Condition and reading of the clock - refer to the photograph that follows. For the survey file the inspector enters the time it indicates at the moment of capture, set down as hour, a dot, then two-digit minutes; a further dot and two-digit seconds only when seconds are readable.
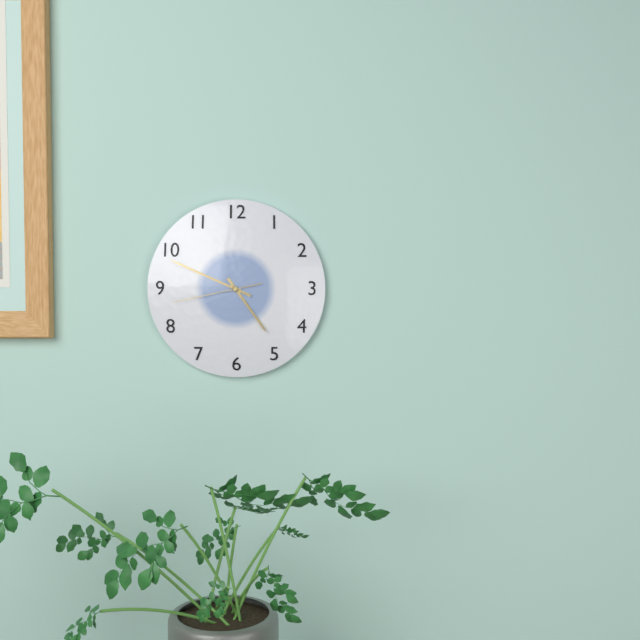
4.49.43
